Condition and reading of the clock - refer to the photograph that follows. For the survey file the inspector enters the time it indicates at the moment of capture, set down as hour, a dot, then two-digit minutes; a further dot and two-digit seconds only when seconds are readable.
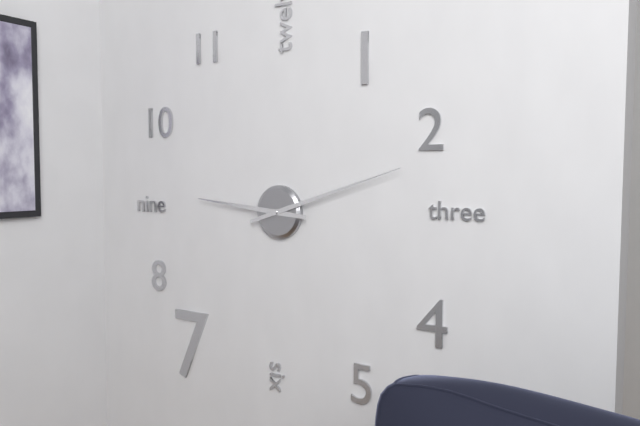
9.12
